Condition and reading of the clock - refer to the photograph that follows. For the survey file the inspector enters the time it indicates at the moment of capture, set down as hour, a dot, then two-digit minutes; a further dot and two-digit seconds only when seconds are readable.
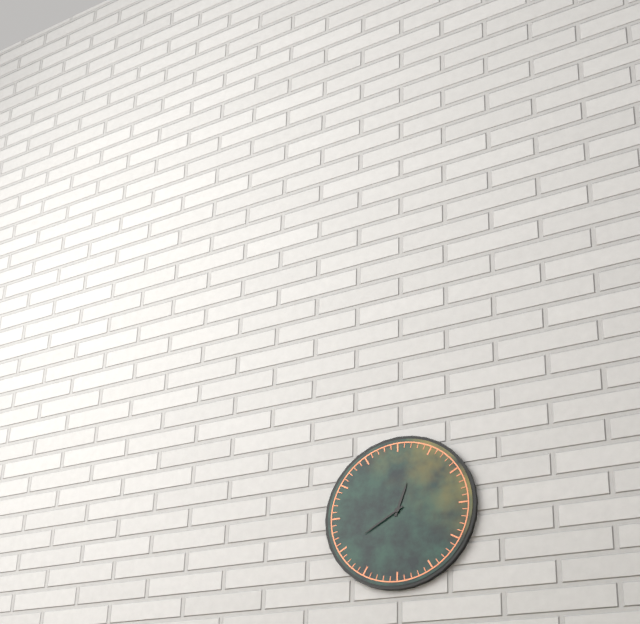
12.40
